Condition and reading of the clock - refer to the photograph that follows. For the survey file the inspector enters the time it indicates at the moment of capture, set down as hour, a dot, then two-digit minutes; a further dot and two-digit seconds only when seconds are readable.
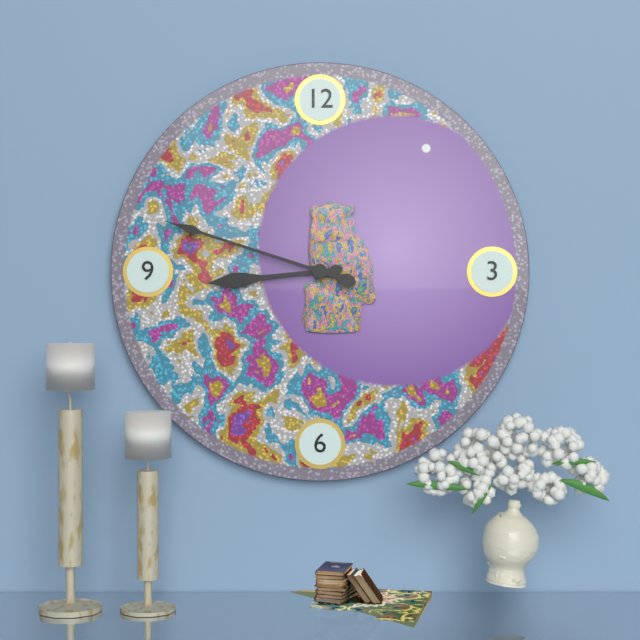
8.48
